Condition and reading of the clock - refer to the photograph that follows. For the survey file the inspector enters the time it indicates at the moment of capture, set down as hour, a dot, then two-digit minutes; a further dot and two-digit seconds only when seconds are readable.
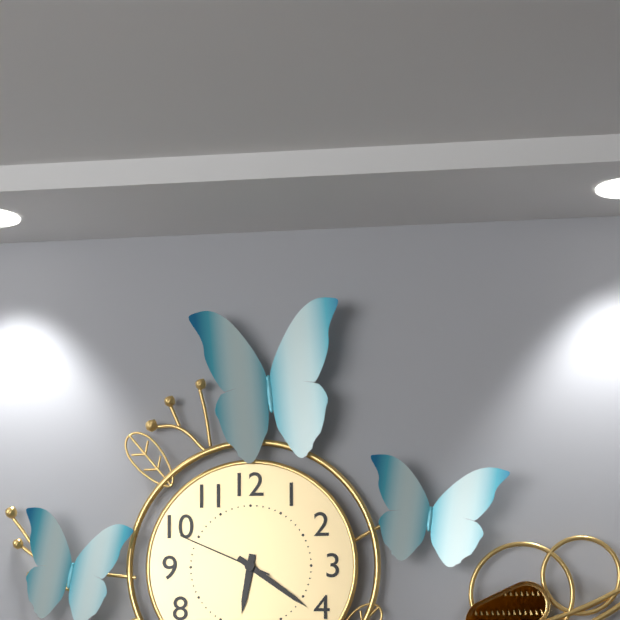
6.21.49
